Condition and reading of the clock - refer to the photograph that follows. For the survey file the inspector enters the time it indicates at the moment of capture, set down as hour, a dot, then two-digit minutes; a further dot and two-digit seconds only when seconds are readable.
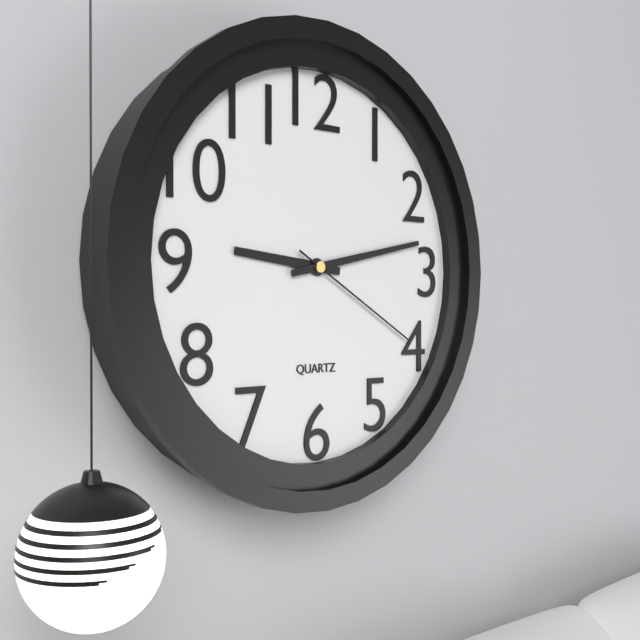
9.13.20
